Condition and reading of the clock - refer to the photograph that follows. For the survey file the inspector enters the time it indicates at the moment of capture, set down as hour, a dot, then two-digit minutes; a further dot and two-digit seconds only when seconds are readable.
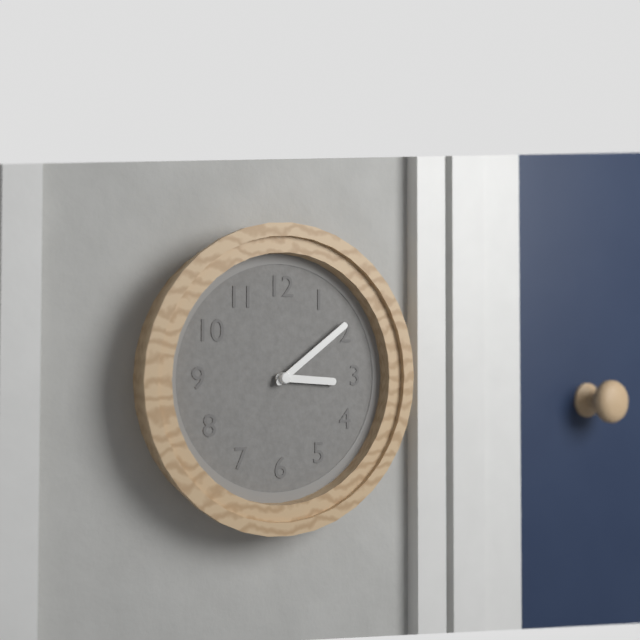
3.09
